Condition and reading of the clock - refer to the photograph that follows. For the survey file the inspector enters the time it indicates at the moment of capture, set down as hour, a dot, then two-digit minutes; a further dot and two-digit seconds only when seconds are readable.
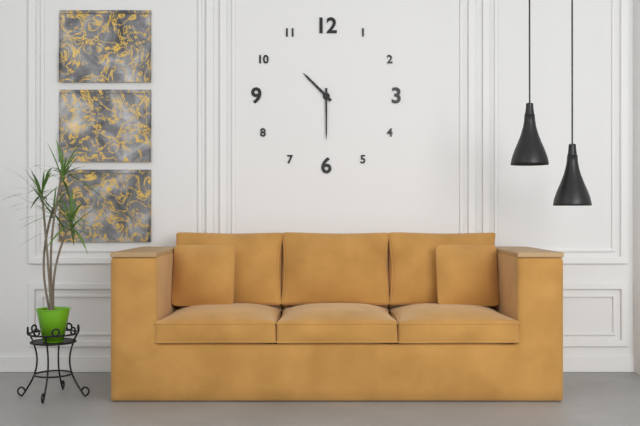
10.30
